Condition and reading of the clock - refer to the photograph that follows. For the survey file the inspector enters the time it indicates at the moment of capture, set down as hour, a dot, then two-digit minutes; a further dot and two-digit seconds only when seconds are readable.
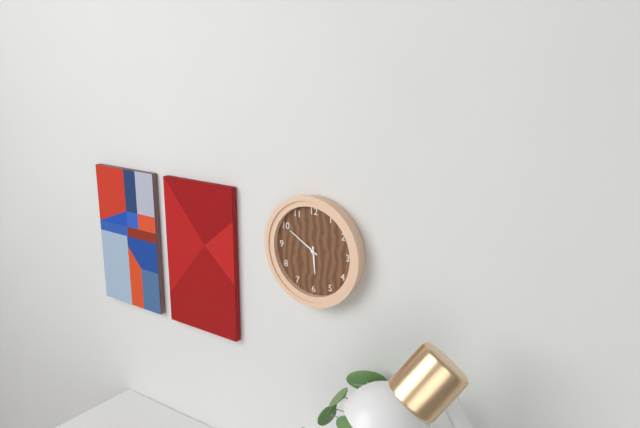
5.50
